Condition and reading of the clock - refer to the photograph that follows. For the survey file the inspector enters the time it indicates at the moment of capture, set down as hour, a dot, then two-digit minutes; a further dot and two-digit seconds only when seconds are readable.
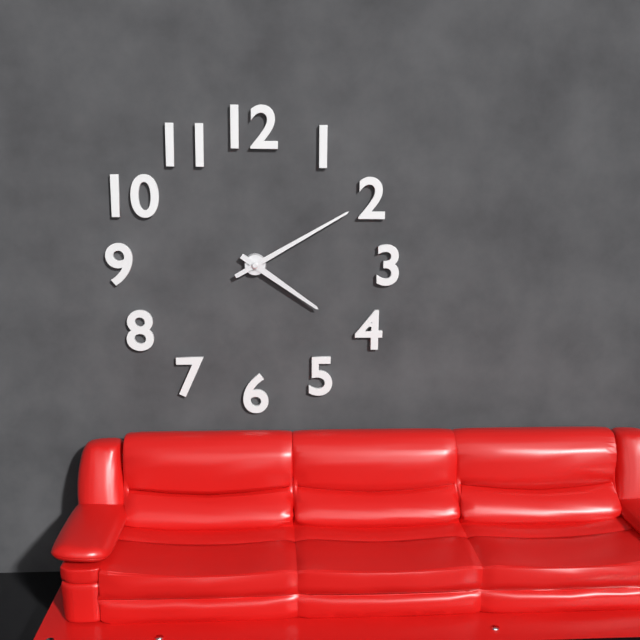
4.10
